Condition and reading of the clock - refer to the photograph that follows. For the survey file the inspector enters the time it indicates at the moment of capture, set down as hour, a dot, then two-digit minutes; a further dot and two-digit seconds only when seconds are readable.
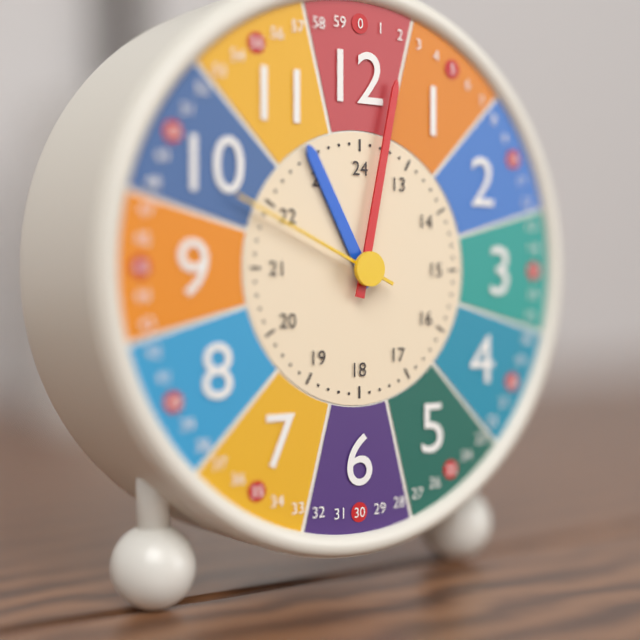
11.02.49
